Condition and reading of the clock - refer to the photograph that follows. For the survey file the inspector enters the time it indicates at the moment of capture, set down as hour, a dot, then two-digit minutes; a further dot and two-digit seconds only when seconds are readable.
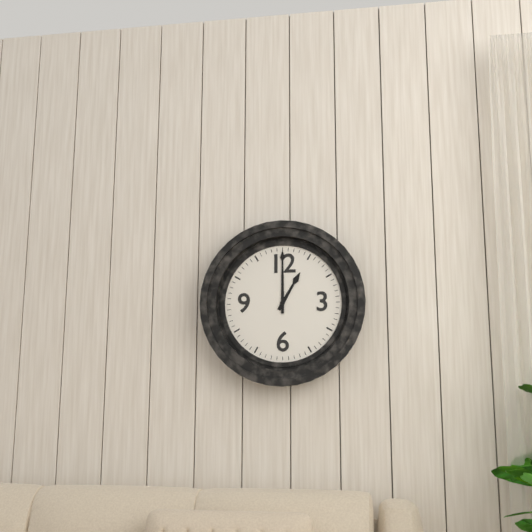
1.00
